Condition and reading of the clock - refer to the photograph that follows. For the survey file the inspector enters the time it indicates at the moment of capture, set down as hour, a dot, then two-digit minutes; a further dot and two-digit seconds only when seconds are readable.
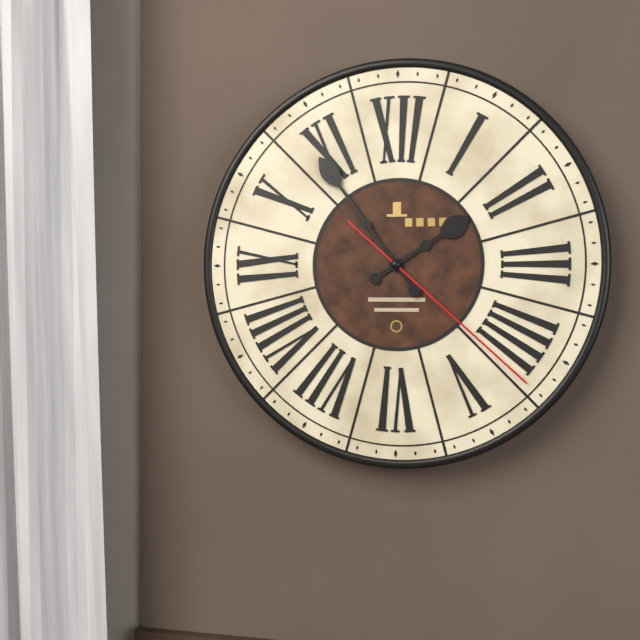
1.54.22
